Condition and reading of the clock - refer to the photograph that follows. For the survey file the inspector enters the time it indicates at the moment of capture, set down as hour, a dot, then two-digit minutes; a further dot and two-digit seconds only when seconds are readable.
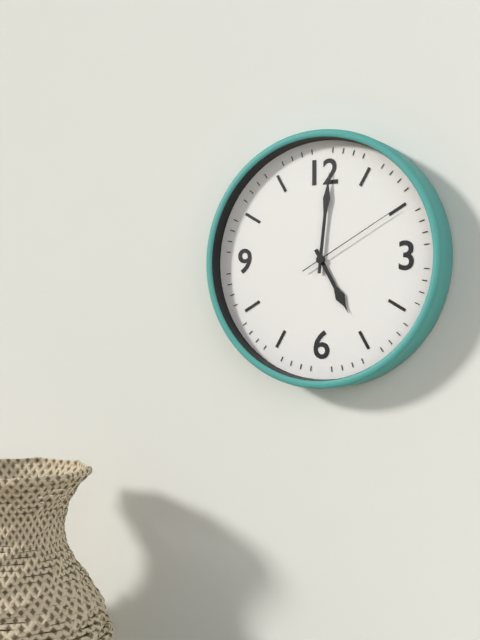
5.01.10
